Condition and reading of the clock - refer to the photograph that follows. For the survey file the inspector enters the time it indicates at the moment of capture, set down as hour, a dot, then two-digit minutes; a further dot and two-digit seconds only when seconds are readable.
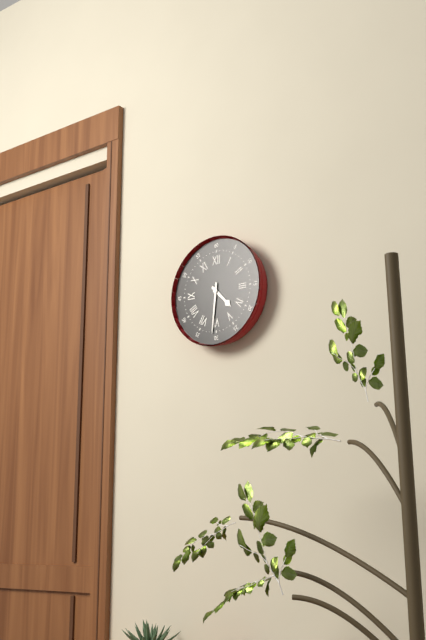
4.31
